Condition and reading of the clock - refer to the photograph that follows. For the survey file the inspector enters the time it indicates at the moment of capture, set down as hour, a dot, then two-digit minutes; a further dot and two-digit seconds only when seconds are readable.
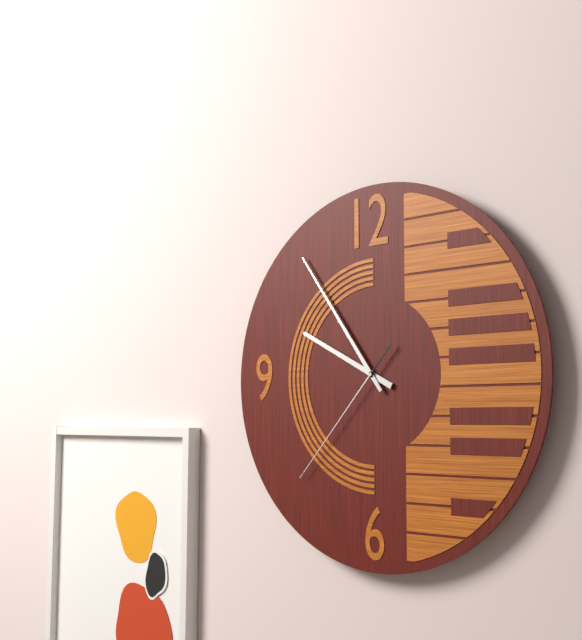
9.54.37
